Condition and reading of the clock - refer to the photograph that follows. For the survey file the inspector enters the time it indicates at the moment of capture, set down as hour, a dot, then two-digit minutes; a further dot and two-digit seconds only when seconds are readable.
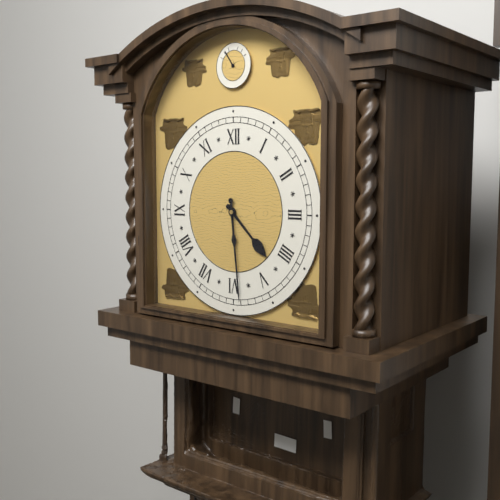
4.29
